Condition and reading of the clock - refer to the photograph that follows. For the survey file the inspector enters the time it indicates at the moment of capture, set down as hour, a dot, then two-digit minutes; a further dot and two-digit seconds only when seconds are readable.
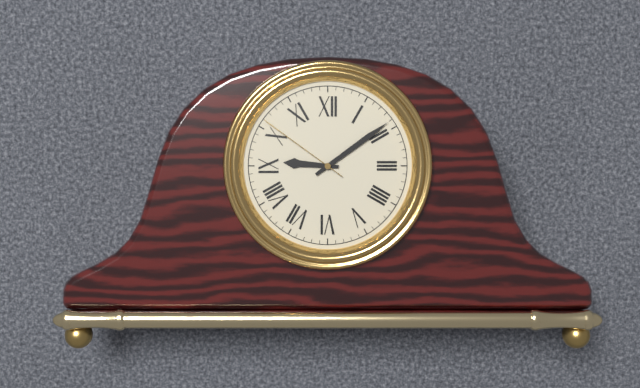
9.09.51
